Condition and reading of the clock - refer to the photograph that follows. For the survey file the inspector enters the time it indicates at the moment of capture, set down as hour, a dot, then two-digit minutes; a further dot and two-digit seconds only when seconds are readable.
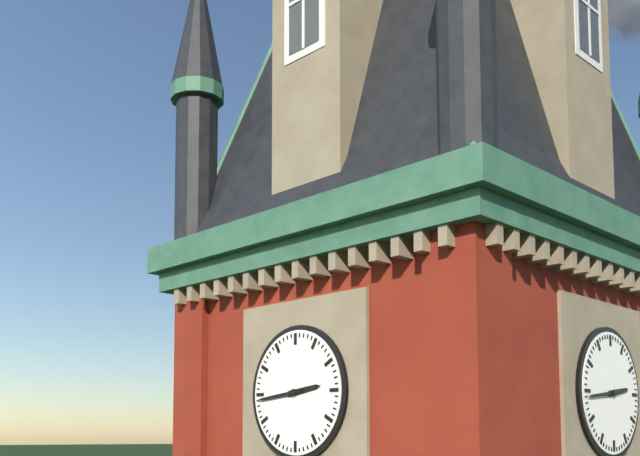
2.44
